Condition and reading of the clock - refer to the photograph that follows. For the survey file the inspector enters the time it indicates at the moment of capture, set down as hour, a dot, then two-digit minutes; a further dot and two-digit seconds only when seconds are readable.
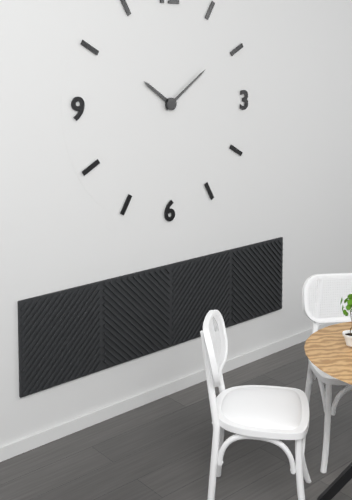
10.09
